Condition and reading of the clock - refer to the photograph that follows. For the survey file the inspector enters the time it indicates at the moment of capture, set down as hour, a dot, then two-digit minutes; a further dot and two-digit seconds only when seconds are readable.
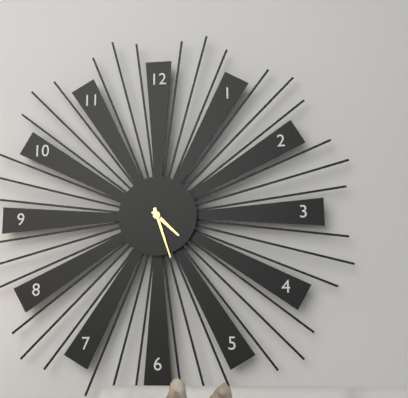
4.27
